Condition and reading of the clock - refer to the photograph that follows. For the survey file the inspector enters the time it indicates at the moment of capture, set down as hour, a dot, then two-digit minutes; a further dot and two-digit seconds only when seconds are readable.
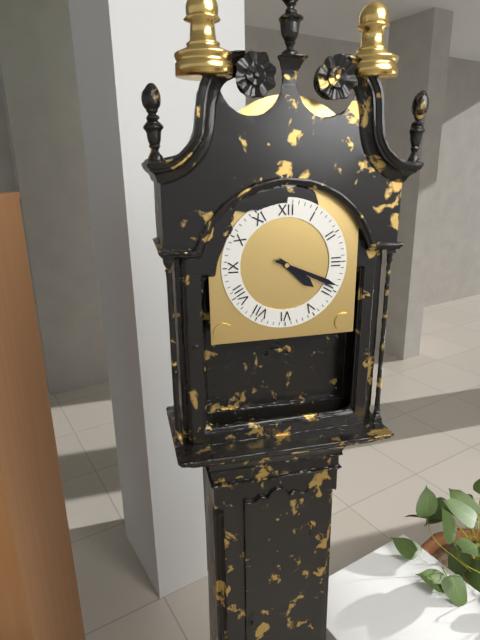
4.19
